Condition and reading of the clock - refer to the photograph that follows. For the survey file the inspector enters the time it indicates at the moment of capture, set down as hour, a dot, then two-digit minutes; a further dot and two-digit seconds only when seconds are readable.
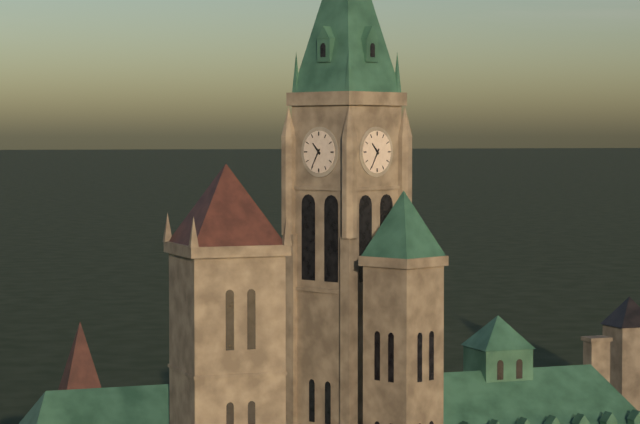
10.35
